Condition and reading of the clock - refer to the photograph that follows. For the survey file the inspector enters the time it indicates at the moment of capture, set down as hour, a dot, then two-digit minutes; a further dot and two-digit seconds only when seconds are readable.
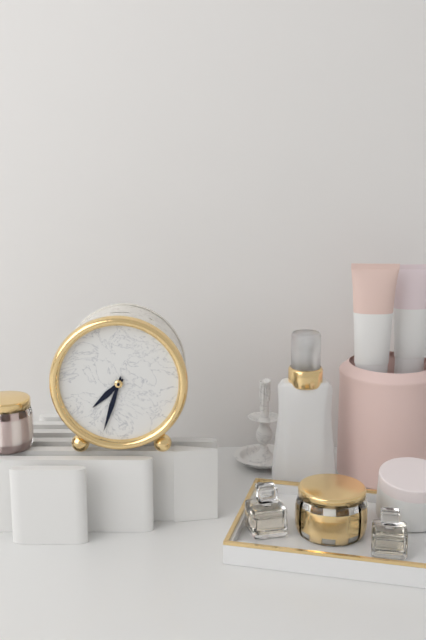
7.33
